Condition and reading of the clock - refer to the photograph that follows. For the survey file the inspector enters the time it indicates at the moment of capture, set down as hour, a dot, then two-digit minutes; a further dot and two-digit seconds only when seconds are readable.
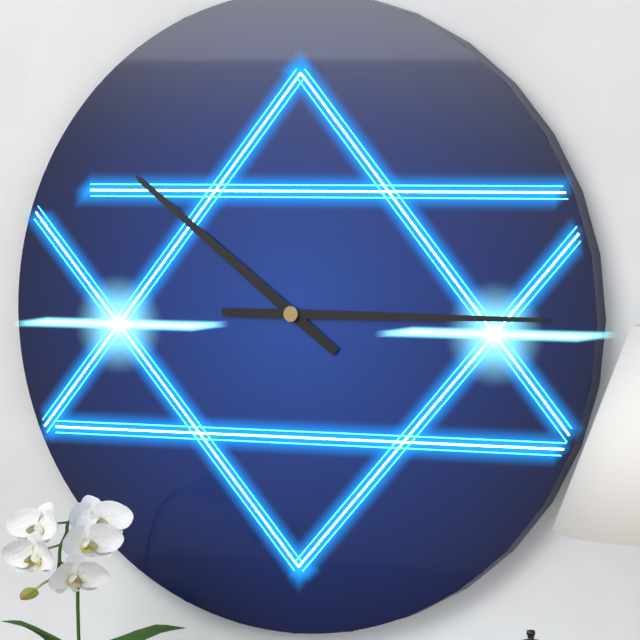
10.15
